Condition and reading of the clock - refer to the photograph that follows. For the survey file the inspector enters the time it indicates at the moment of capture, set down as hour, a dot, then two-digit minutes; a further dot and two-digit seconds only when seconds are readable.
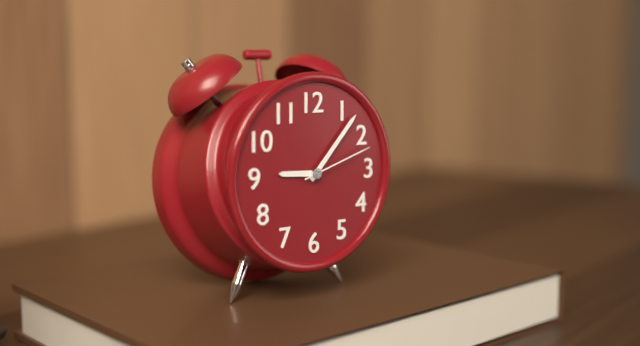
9.07.12
